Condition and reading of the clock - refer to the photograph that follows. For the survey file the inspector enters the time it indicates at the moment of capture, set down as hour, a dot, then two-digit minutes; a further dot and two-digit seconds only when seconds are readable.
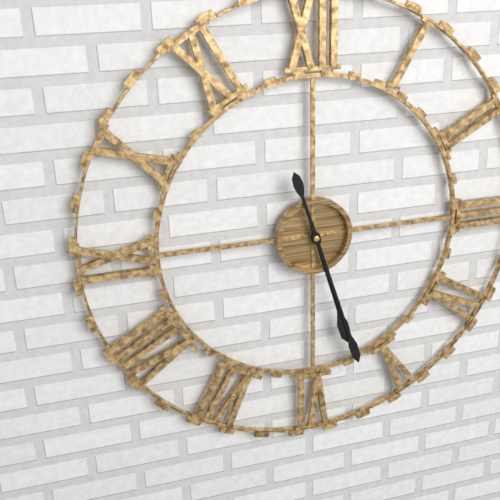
5.27
